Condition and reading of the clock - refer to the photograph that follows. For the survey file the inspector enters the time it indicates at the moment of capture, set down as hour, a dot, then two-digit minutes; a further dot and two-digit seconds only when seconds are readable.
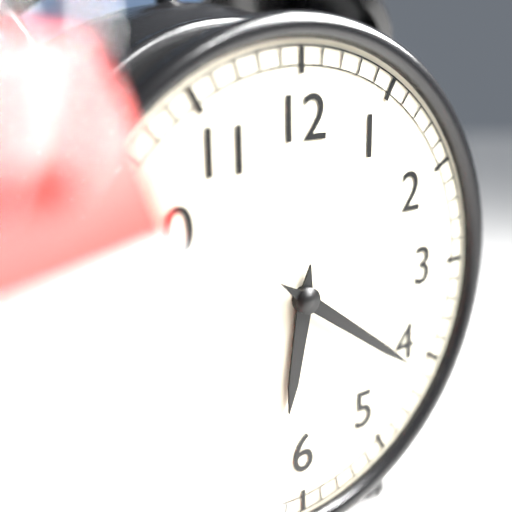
6.21
